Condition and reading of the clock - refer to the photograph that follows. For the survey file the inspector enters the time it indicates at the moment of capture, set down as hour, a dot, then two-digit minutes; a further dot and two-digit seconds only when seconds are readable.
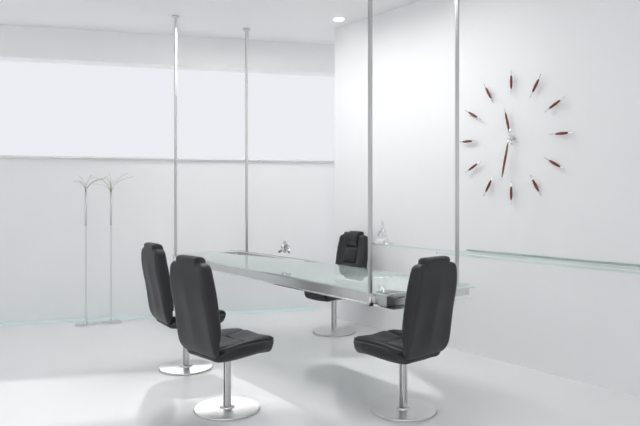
11.32
